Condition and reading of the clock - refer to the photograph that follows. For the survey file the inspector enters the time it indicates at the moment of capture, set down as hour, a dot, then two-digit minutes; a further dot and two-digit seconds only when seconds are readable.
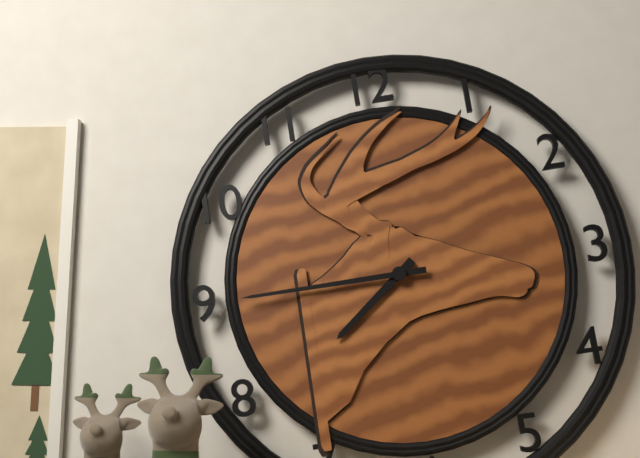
7.45
